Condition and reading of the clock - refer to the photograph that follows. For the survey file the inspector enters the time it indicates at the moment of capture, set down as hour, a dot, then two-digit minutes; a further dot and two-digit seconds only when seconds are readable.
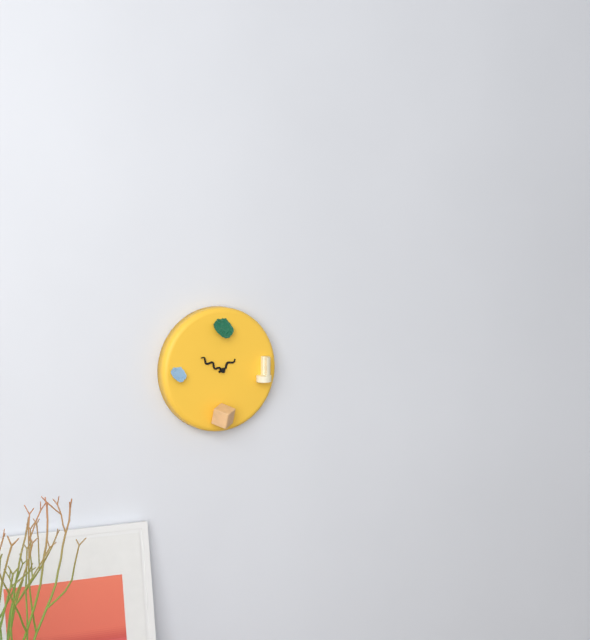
1.50
